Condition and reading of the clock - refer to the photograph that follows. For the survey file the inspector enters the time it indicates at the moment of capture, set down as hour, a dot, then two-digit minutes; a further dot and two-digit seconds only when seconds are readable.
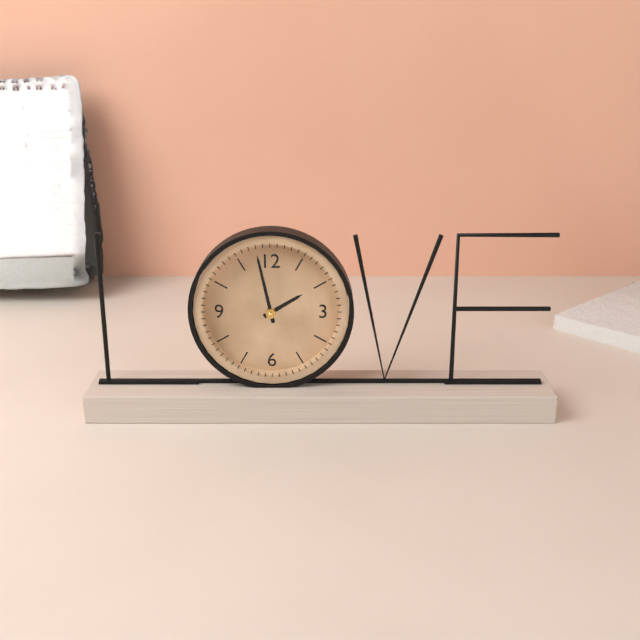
1.58
